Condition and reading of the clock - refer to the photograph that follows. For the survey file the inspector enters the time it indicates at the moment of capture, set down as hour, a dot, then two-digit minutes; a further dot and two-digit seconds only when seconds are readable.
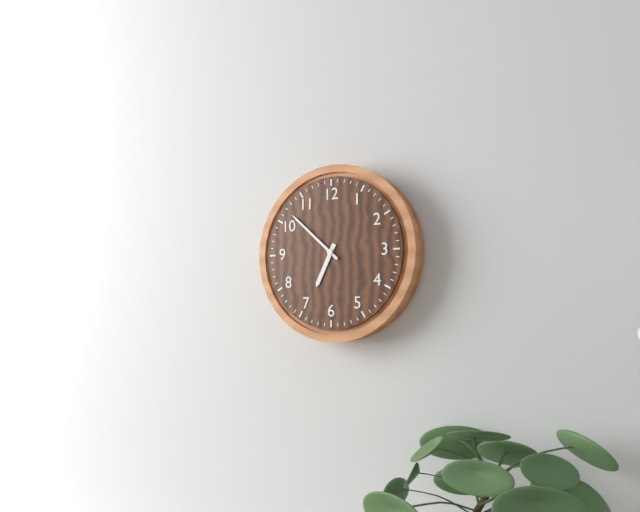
6.52
